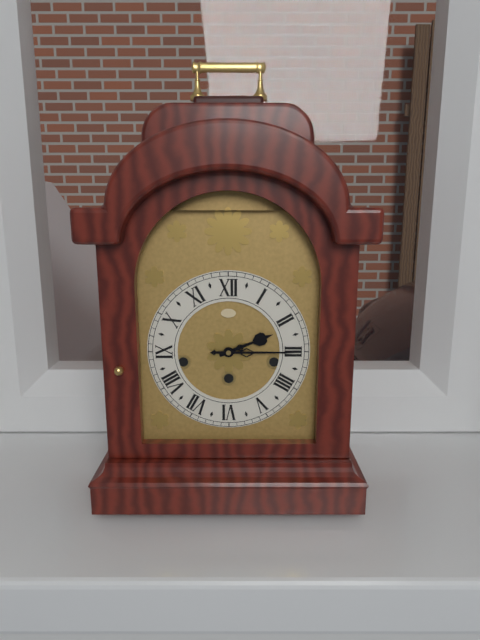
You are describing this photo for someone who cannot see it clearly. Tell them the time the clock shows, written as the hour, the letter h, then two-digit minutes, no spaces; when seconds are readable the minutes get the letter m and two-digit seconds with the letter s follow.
2h15
